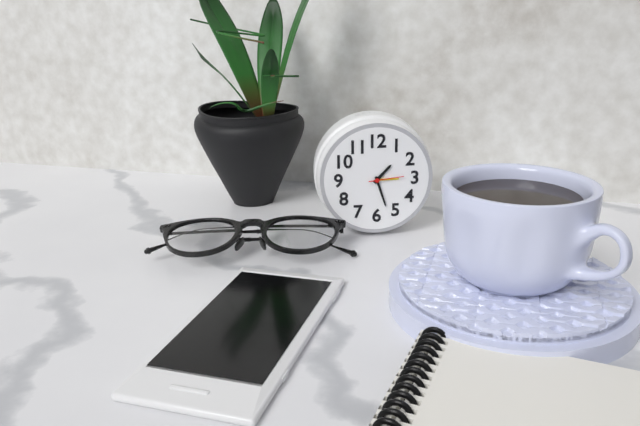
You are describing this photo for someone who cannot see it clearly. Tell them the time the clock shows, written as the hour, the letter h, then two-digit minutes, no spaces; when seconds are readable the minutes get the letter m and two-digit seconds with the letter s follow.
1h27
